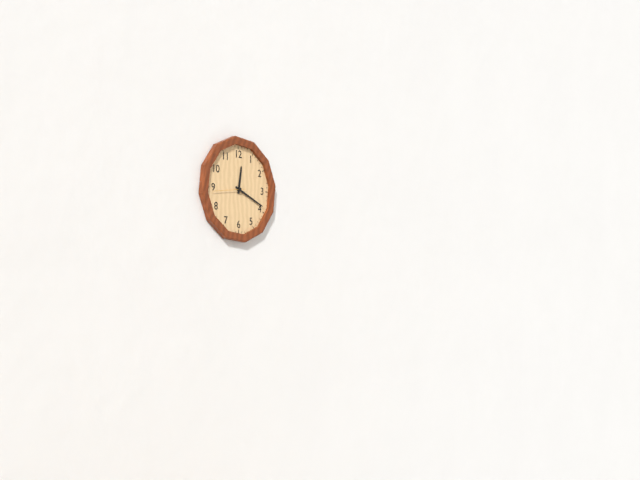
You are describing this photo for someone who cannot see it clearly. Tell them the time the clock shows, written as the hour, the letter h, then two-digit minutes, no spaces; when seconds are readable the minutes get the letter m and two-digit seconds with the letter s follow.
12h19
